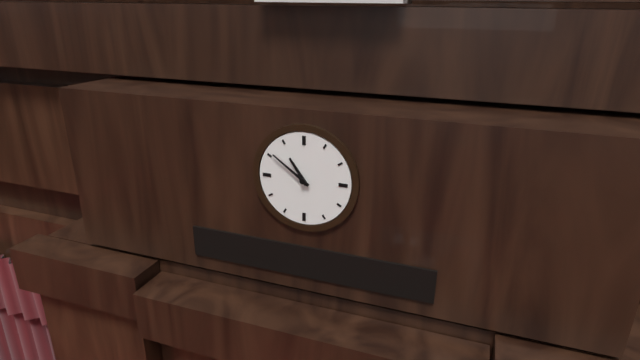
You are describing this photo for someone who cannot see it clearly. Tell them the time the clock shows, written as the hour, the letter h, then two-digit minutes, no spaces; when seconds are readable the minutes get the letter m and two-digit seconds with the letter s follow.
10h51
